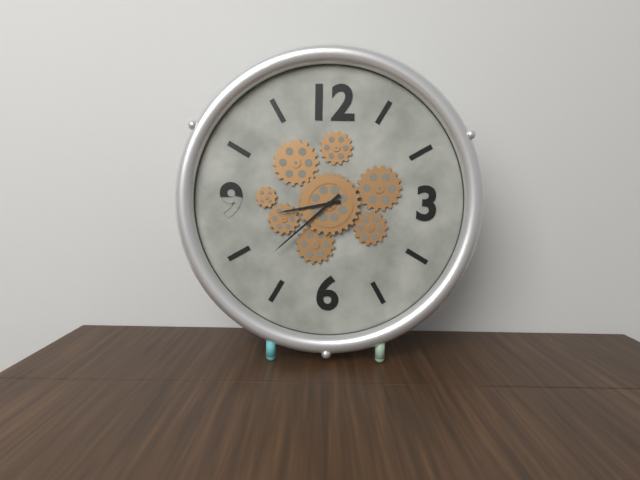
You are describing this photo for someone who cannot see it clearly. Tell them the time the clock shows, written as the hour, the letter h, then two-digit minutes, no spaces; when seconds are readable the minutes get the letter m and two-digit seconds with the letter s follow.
8h38
